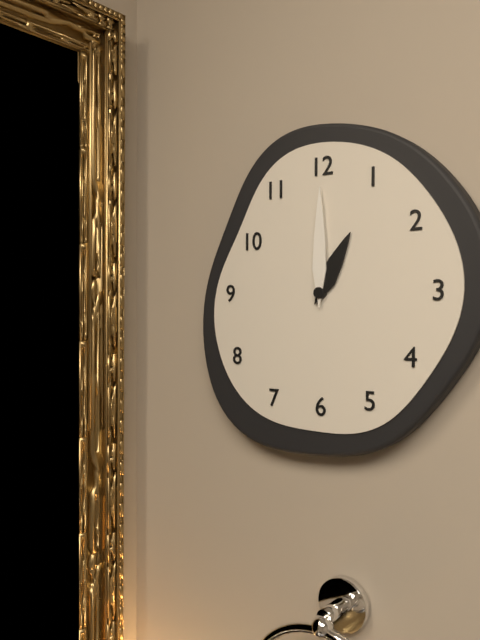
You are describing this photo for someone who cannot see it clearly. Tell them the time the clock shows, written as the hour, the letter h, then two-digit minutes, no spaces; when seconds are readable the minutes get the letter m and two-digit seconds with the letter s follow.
1h00
